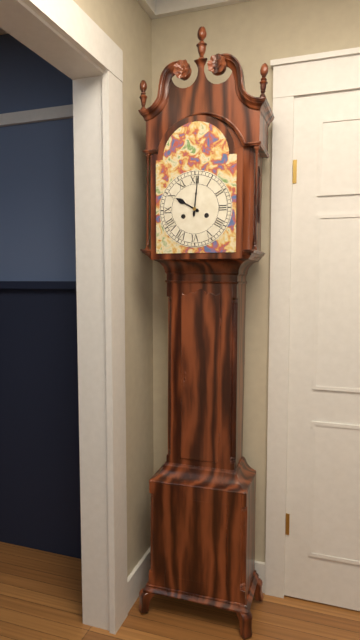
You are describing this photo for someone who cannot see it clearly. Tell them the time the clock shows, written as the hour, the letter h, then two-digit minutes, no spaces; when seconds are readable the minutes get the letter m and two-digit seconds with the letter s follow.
10h01
